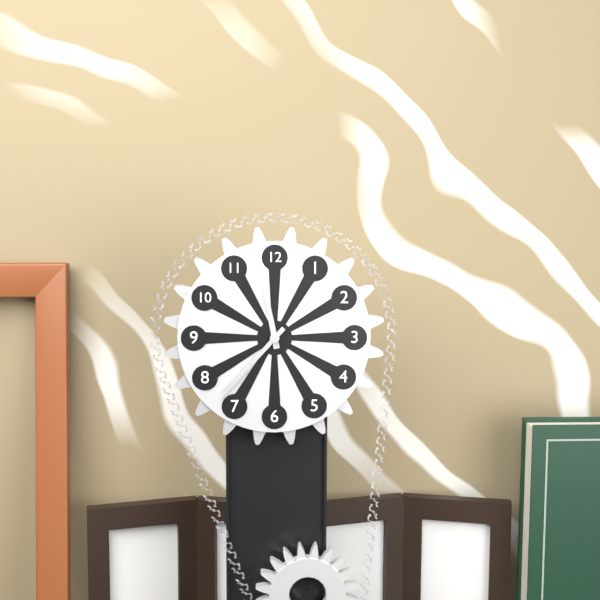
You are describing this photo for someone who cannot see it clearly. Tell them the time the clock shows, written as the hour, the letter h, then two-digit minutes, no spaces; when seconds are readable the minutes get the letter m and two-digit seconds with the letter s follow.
11h37
